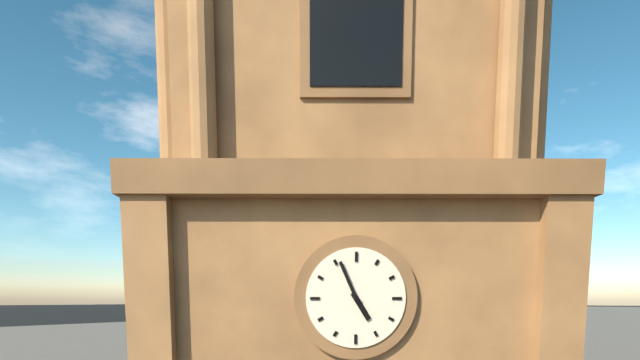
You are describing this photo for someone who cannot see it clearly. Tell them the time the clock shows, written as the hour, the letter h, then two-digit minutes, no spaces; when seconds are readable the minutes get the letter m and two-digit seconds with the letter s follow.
4h56
